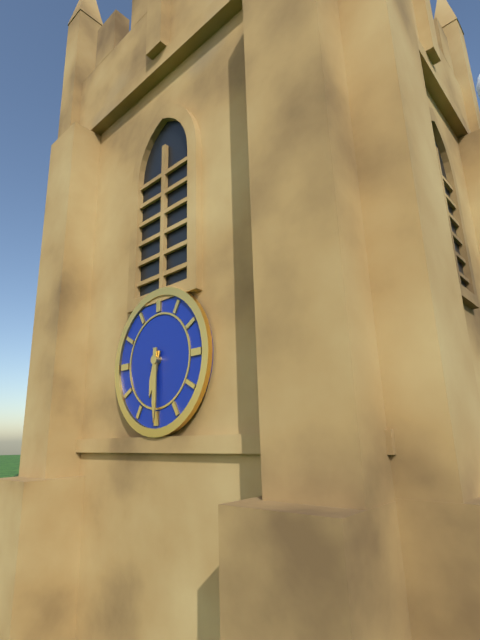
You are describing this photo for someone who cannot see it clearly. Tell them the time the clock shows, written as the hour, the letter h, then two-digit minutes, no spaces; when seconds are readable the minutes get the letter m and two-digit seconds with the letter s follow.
6h30
